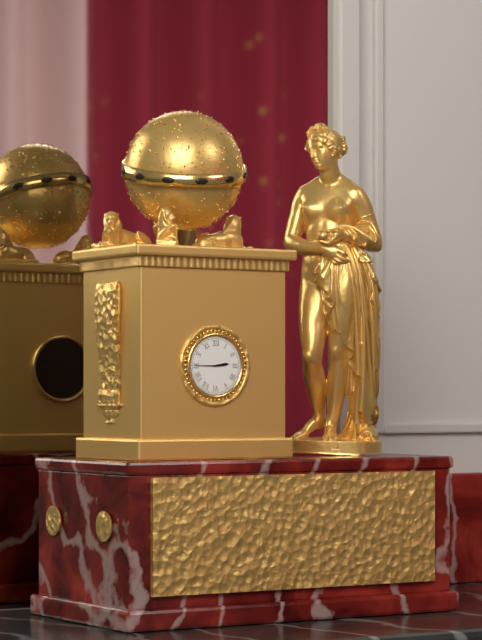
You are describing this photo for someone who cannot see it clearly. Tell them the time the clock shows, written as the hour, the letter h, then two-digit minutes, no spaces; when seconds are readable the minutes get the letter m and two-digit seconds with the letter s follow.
2h45
